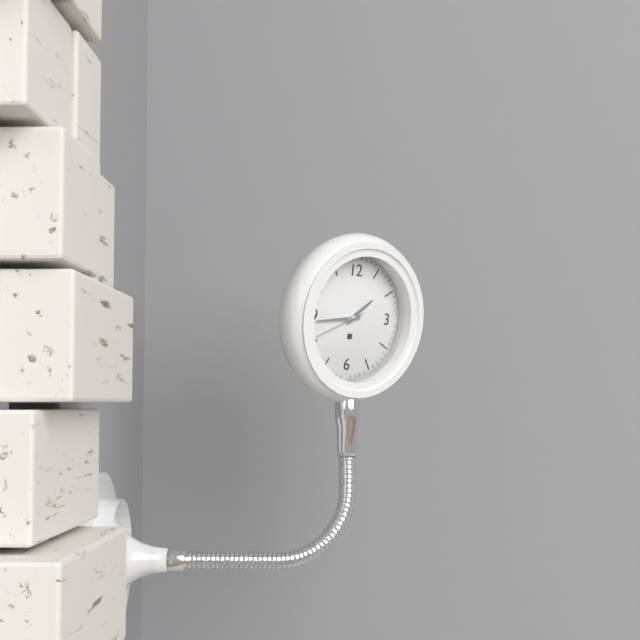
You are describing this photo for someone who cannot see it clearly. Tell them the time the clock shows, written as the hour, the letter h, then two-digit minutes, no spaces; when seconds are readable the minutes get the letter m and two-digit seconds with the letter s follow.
1h44
